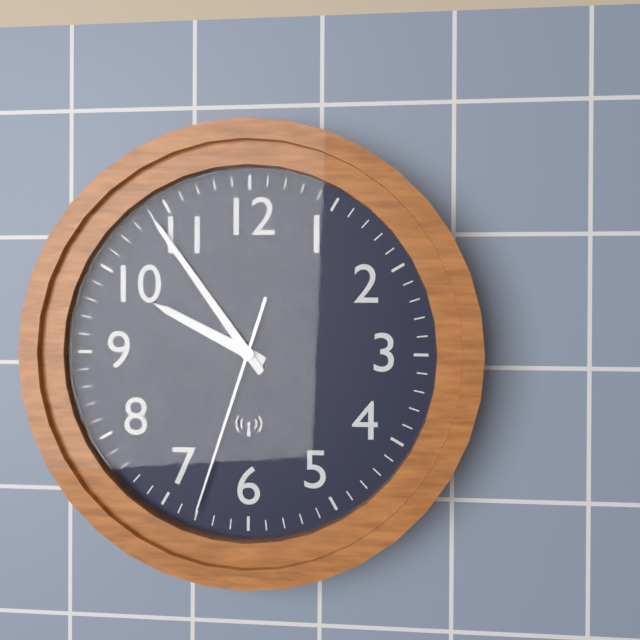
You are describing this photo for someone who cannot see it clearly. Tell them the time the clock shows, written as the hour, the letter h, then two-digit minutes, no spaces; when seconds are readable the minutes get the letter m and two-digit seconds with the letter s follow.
9h54m33s
